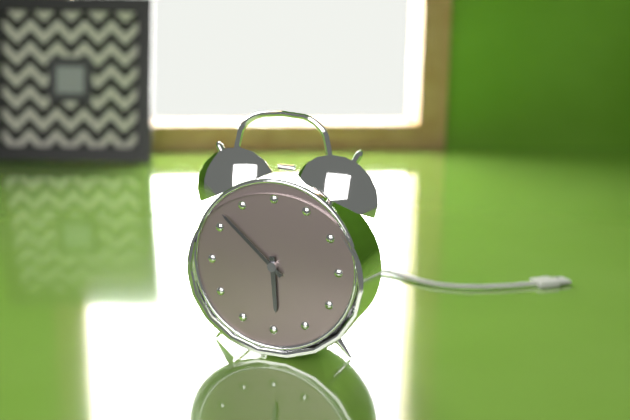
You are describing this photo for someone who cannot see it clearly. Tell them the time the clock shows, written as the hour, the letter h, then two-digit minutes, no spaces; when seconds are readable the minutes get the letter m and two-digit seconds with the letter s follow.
5h52
